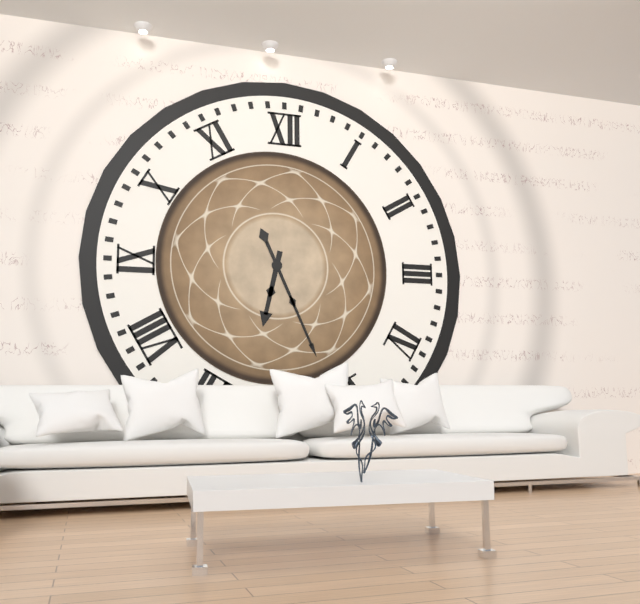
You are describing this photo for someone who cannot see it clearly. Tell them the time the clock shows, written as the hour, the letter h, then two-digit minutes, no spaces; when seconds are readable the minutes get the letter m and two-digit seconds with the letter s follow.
6h26
